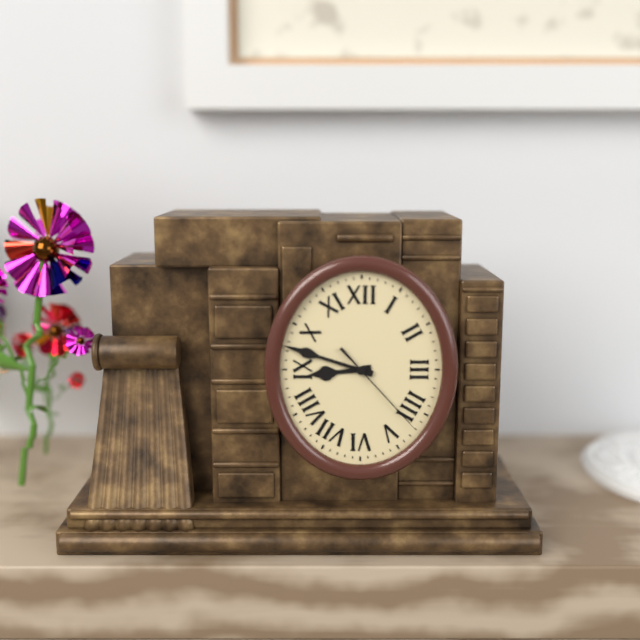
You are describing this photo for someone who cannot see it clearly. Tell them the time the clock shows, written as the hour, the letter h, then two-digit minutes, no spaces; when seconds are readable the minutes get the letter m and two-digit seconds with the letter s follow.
8h48m23s
